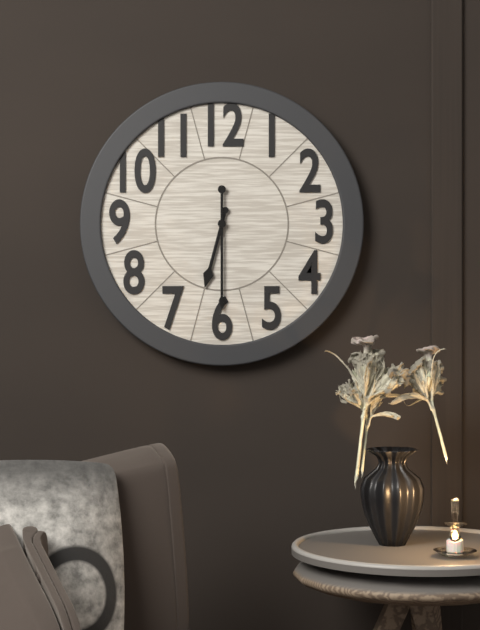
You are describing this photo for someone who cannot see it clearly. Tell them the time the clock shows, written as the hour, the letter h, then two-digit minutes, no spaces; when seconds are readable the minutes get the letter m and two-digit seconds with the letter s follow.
6h30
